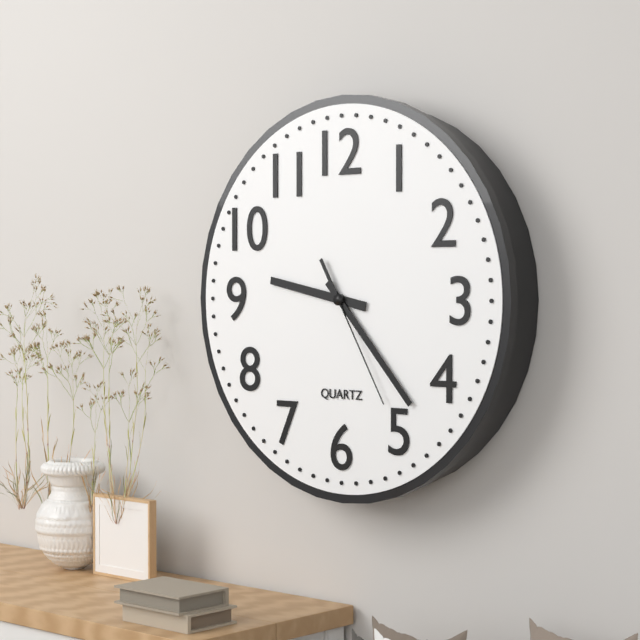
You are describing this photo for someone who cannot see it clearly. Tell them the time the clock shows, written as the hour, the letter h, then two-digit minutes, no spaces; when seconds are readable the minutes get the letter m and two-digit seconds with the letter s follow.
9h23m25s
